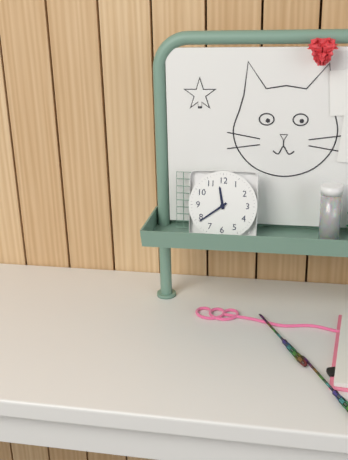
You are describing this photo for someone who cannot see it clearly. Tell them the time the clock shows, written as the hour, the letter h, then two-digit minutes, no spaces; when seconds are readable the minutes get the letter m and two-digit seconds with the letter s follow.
11h39
